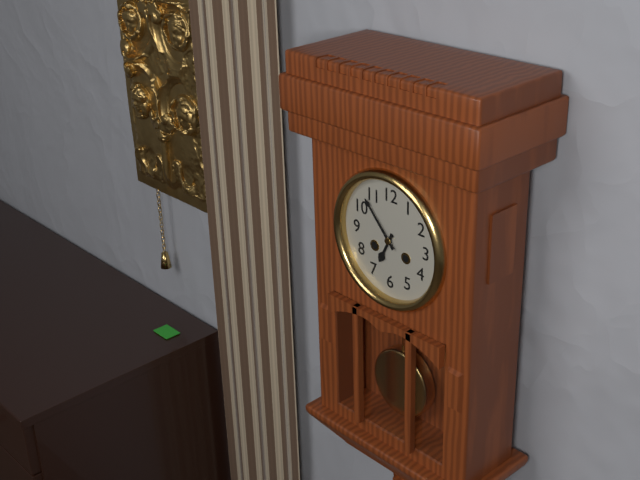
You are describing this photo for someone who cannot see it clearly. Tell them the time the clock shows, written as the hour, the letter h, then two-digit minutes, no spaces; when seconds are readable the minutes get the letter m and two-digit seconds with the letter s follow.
6h53
